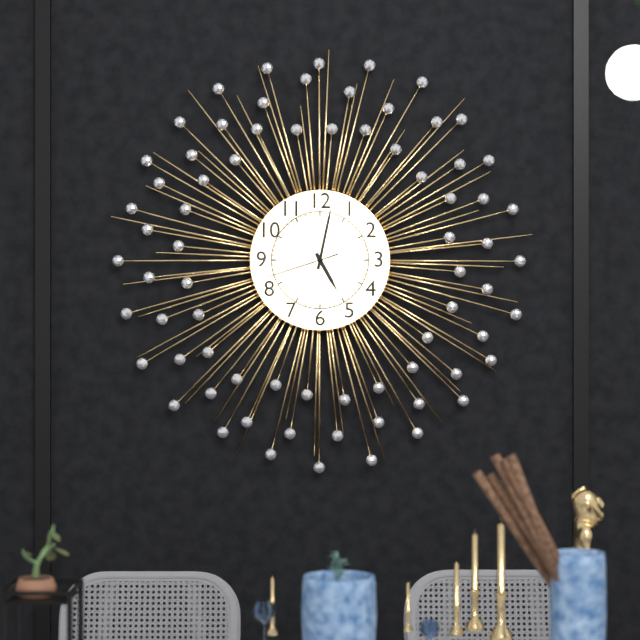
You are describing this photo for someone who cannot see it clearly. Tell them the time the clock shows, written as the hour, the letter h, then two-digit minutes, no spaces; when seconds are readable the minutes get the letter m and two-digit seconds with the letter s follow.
5h02m42s
